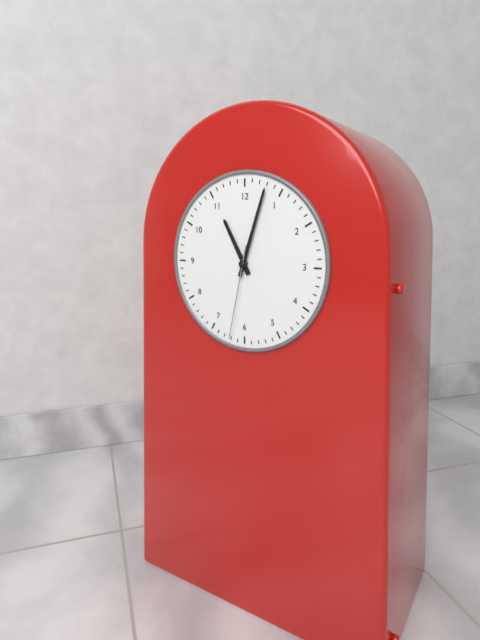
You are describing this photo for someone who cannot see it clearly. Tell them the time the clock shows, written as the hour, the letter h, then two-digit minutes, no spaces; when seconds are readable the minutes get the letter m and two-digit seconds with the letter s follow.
11h03m32s
